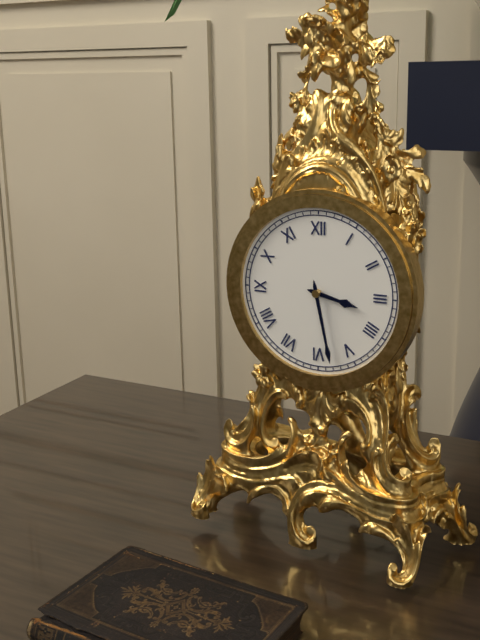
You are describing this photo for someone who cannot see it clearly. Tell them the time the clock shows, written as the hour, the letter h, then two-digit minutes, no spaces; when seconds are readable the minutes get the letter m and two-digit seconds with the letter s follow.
3h28
